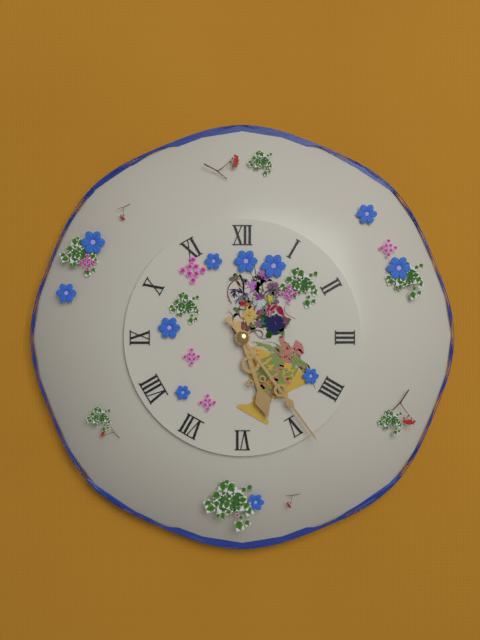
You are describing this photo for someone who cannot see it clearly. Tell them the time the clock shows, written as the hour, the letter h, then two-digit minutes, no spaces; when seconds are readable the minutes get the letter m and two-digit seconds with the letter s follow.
5h24
